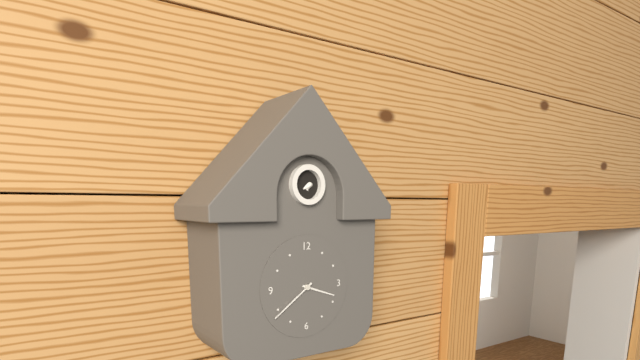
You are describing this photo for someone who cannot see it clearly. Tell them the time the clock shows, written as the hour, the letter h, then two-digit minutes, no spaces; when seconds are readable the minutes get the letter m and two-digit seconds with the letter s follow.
3h39
